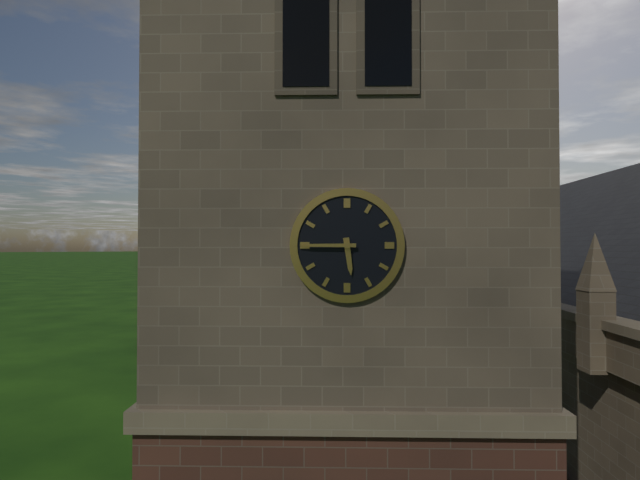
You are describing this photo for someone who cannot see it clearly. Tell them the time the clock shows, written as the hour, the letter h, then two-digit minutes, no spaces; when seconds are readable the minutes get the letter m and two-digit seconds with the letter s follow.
5h45
